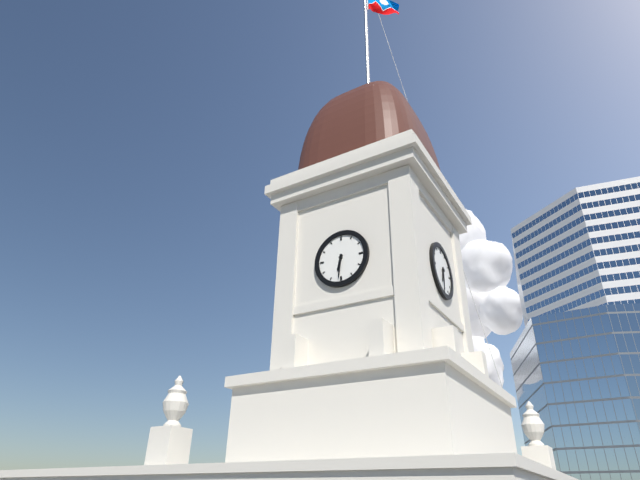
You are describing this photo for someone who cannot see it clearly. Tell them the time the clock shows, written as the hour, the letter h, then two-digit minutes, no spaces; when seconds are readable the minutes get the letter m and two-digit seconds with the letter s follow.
6h31
